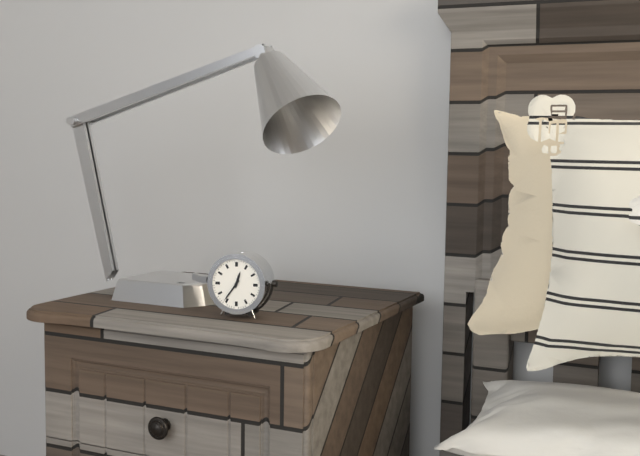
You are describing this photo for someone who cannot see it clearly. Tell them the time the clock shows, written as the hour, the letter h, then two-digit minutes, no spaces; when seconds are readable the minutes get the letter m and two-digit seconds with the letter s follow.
12h36
